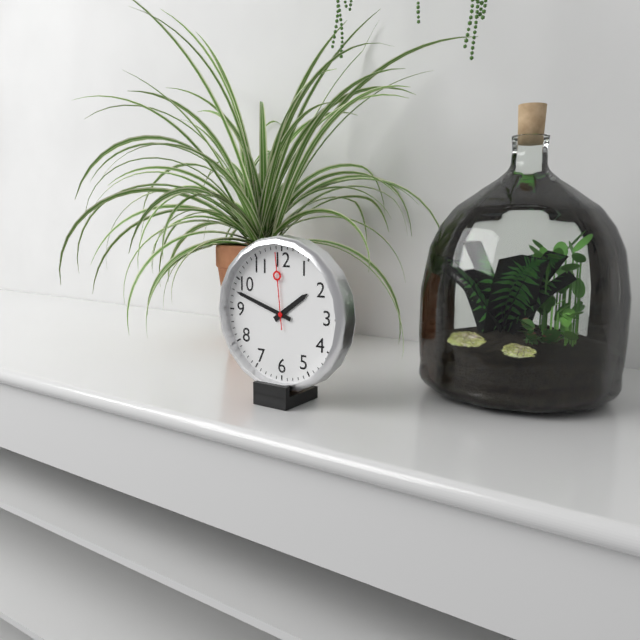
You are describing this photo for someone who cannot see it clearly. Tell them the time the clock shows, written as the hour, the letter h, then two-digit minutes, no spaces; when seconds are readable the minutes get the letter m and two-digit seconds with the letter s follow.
1h48m59s
